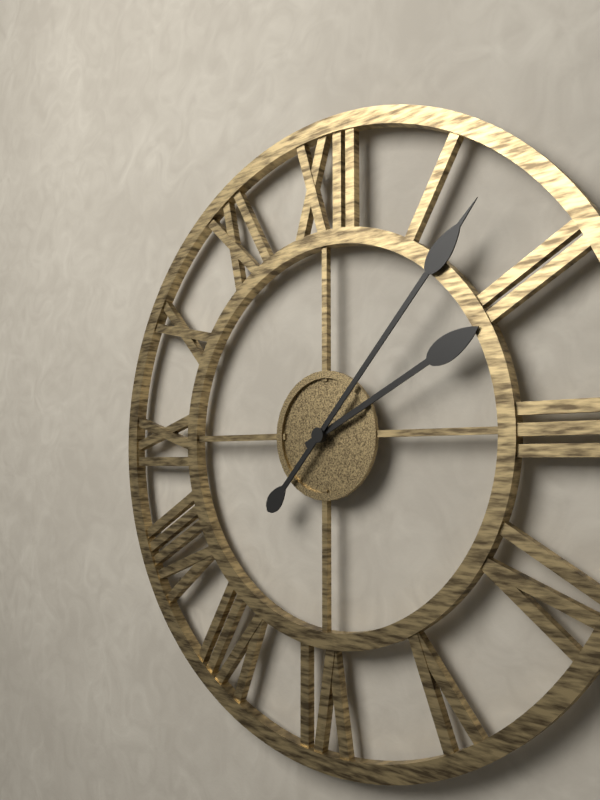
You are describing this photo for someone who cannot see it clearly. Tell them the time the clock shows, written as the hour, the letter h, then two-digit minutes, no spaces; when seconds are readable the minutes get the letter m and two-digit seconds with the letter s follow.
2h07
